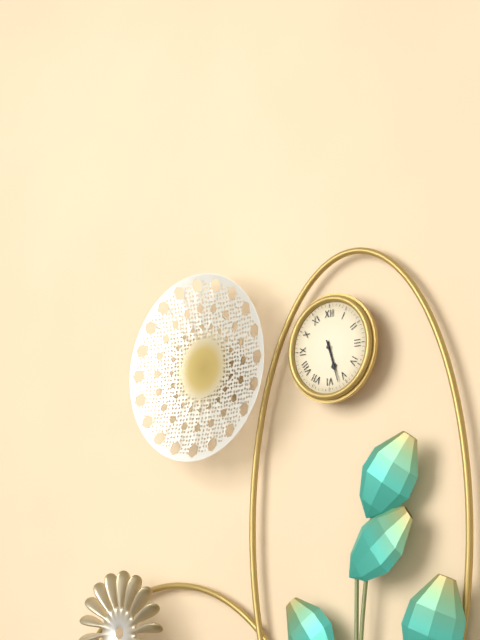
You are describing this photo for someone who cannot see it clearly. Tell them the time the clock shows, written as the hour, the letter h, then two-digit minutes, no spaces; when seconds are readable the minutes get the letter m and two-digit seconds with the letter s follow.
5h27
